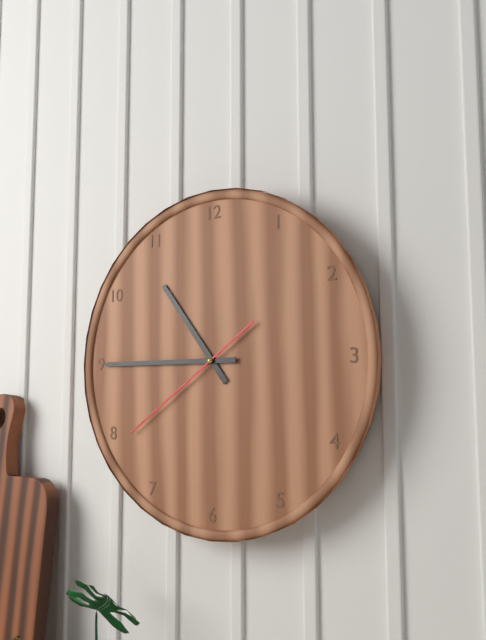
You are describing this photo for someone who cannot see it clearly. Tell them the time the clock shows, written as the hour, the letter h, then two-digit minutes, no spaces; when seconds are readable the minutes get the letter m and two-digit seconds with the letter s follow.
10h45m39s
